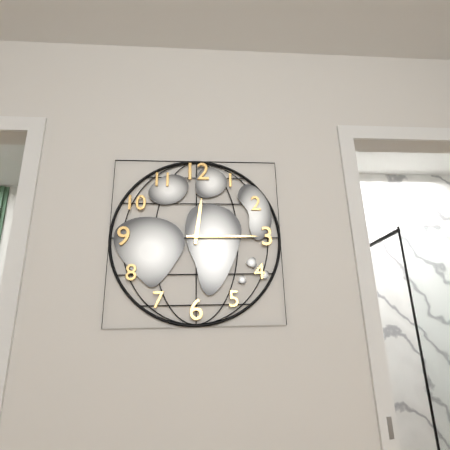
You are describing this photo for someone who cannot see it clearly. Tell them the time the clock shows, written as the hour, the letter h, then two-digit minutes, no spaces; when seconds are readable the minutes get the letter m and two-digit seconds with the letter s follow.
12h15
